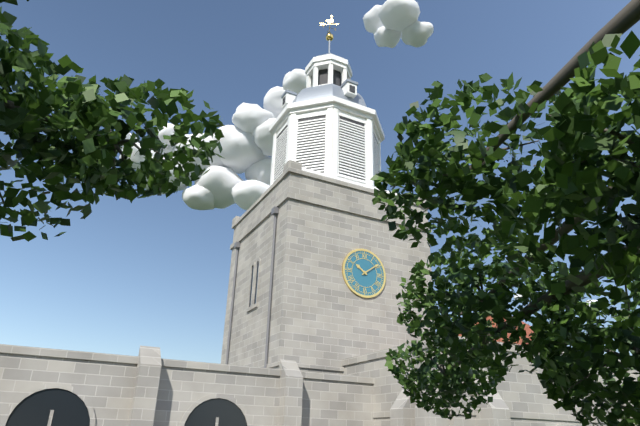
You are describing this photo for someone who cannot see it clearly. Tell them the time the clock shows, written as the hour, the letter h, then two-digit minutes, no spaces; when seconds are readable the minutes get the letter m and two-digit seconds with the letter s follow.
10h09
